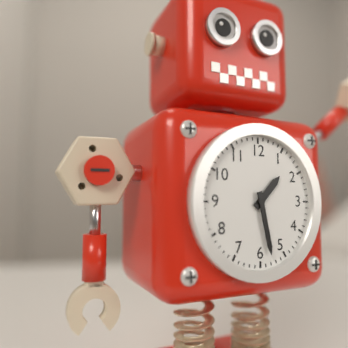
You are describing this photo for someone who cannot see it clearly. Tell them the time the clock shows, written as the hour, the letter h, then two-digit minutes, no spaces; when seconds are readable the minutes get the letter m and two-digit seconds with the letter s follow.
1h28
